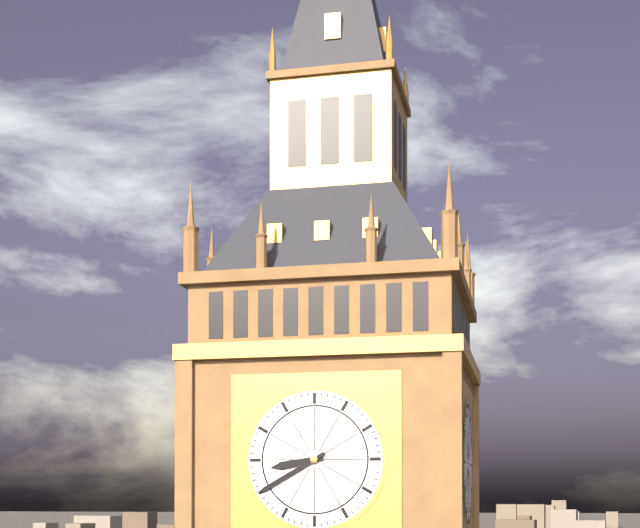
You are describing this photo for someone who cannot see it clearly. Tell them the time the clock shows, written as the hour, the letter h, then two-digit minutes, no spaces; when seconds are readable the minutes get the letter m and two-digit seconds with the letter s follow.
8h40
